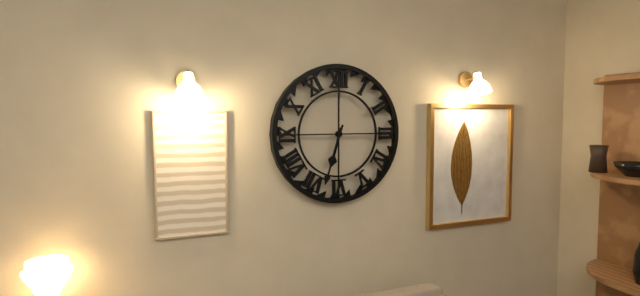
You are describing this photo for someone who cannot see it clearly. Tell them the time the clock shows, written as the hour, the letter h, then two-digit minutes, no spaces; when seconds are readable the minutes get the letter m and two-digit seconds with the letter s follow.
6h33
